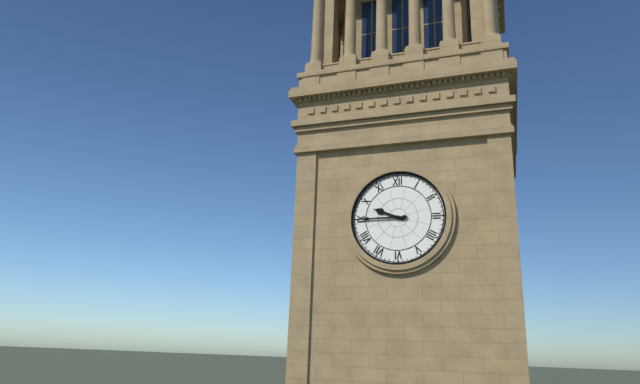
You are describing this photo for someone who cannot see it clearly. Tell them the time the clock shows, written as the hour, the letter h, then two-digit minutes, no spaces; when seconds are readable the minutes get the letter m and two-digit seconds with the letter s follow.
9h45
